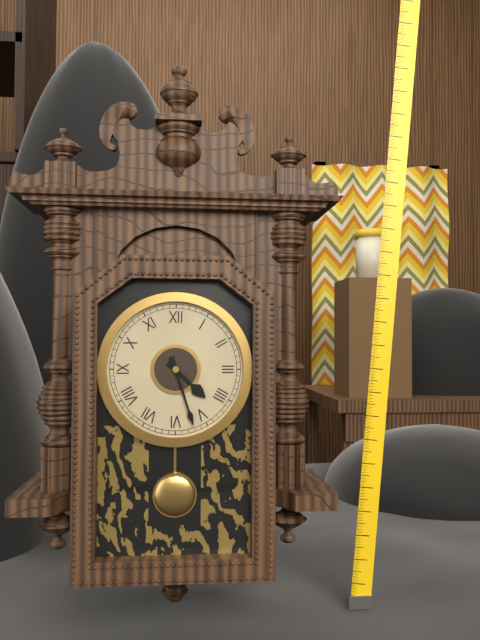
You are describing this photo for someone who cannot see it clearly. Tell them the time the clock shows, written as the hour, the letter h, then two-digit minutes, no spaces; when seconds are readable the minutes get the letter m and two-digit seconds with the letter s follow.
4h27
